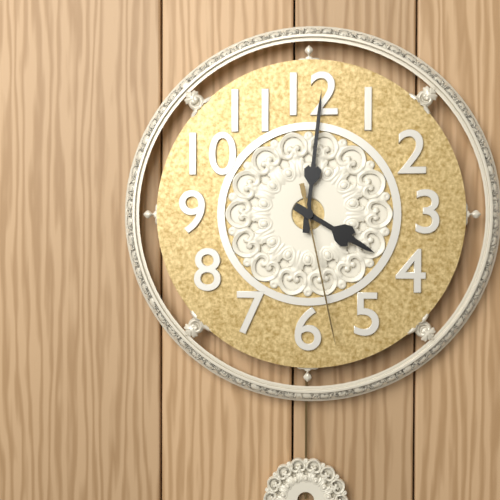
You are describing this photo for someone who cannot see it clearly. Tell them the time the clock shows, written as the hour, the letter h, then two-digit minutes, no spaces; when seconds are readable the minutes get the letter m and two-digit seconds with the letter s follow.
4h01m28s
